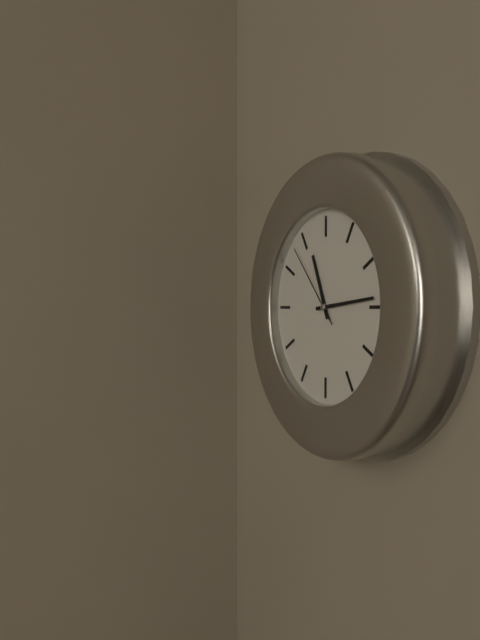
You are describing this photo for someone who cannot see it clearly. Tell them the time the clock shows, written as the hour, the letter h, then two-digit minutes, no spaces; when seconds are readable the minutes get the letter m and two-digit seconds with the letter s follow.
11h14m53s
